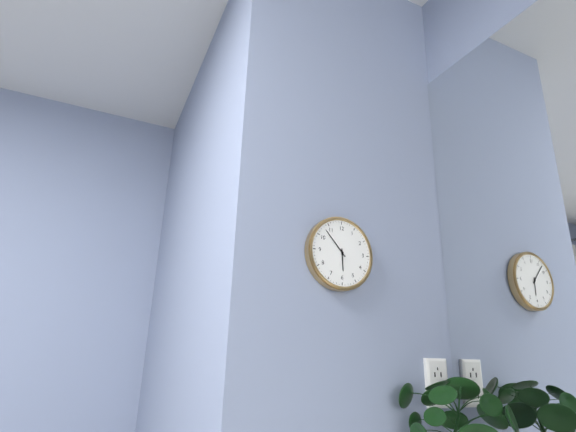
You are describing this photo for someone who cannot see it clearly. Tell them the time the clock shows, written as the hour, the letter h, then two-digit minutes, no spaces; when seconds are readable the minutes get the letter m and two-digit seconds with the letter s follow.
5h53
